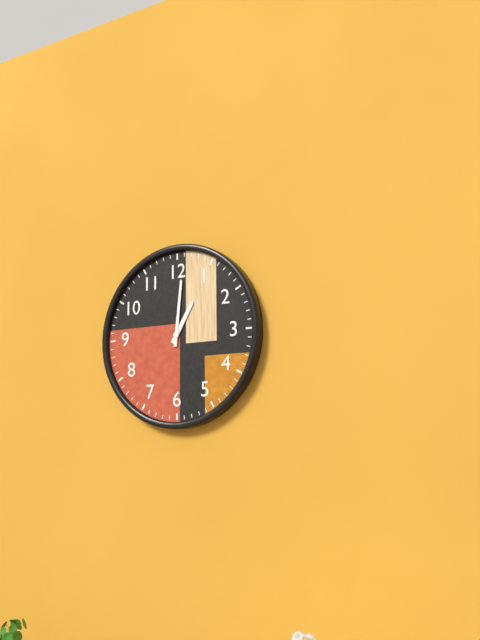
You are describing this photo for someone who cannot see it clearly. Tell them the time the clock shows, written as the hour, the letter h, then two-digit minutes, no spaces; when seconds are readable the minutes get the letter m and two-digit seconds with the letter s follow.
1h01
